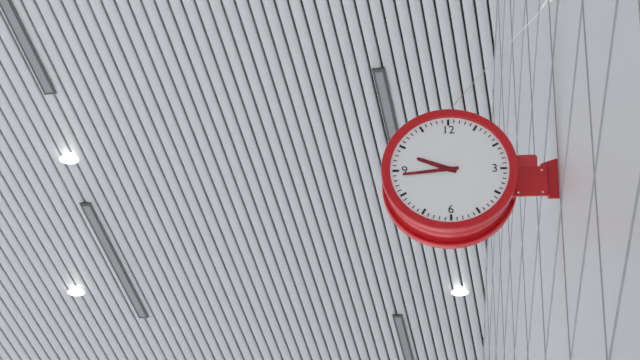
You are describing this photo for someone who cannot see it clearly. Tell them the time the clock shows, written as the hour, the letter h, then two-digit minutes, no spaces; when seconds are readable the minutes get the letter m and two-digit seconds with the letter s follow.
9h44
